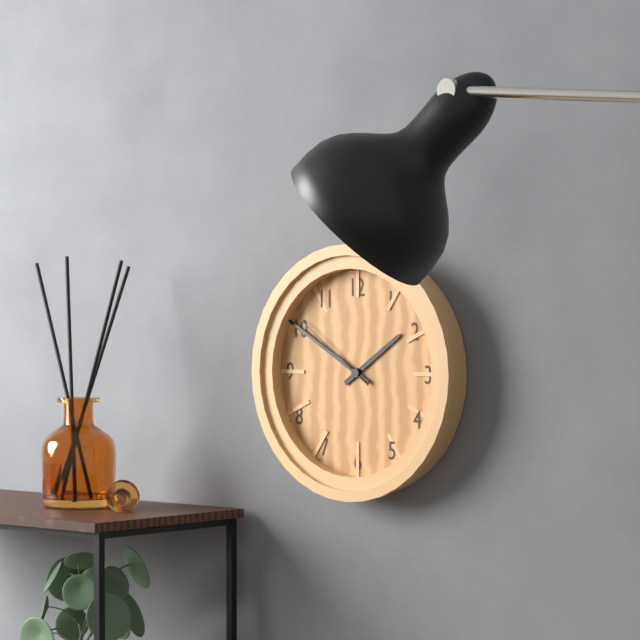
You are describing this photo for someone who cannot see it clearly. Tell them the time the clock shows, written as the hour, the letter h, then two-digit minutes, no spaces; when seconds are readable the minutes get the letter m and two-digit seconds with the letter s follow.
1h50m51s
